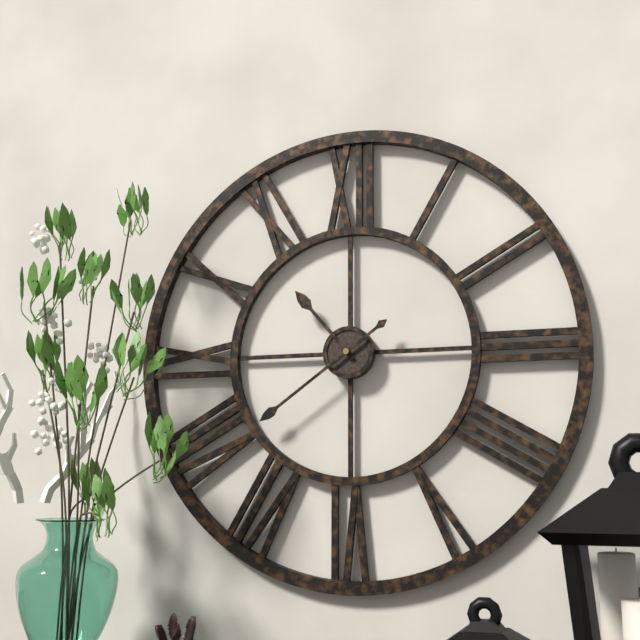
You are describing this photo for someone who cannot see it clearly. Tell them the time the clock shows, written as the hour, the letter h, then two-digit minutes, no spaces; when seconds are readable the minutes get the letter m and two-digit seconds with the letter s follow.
10h39
